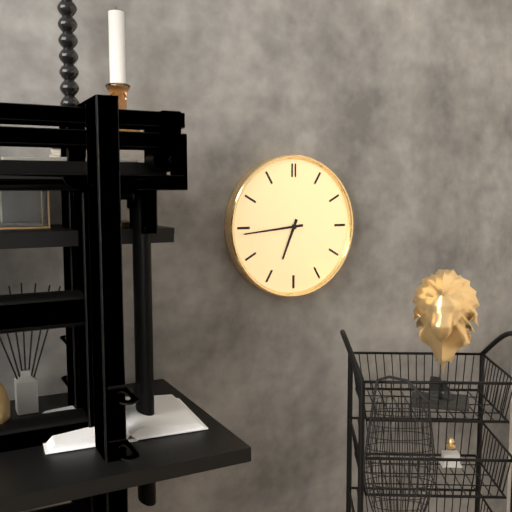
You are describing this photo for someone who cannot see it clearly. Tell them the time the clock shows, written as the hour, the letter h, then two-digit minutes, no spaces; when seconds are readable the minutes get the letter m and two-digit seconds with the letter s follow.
6h44
